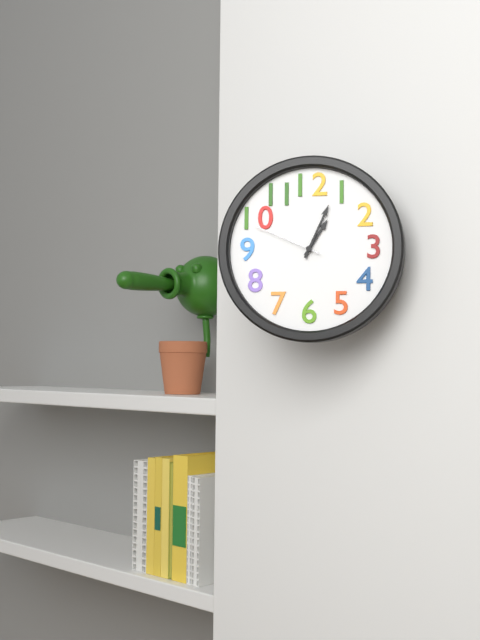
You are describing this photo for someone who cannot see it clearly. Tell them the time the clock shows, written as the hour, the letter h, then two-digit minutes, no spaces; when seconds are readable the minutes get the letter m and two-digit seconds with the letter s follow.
1h04m49s
